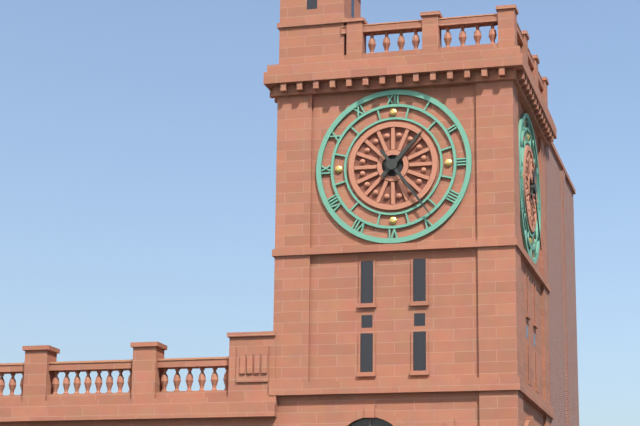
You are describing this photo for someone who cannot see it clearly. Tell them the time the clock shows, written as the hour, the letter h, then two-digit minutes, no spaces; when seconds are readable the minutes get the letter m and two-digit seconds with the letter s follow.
1h24
